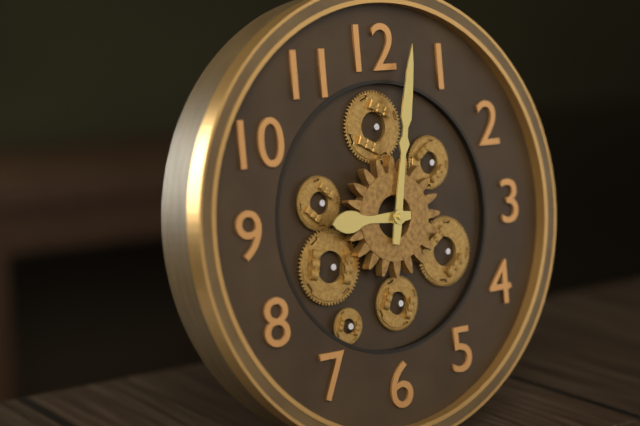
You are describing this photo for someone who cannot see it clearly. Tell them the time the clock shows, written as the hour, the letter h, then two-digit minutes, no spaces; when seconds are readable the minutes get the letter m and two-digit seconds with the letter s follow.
9h02
